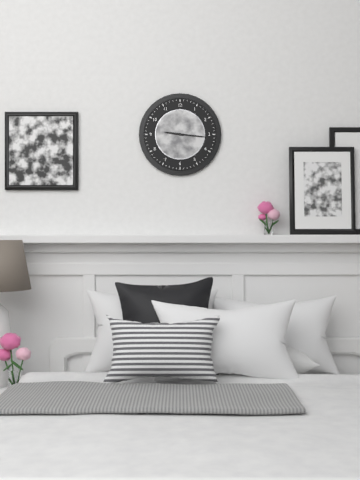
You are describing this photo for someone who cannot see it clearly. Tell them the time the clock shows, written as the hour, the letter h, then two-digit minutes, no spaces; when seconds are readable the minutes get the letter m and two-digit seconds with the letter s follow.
9h16
